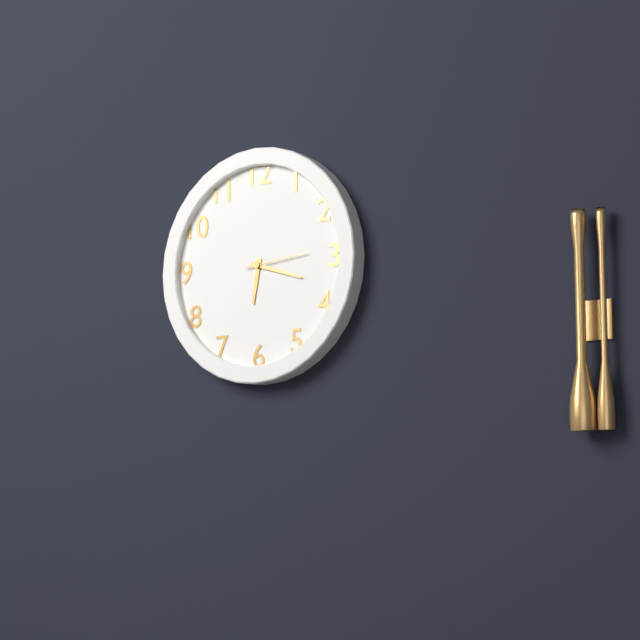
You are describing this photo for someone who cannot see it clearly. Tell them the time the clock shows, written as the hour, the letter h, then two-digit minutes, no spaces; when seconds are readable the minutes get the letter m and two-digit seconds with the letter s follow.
6h18m14s
